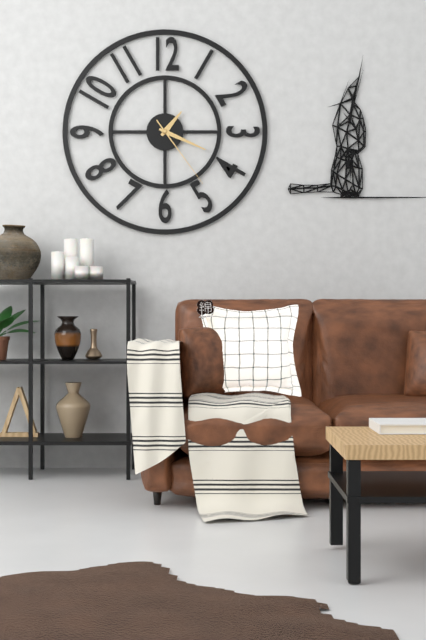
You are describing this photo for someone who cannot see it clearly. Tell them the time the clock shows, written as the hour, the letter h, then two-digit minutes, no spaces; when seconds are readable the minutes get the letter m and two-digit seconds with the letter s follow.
1h19m24s
